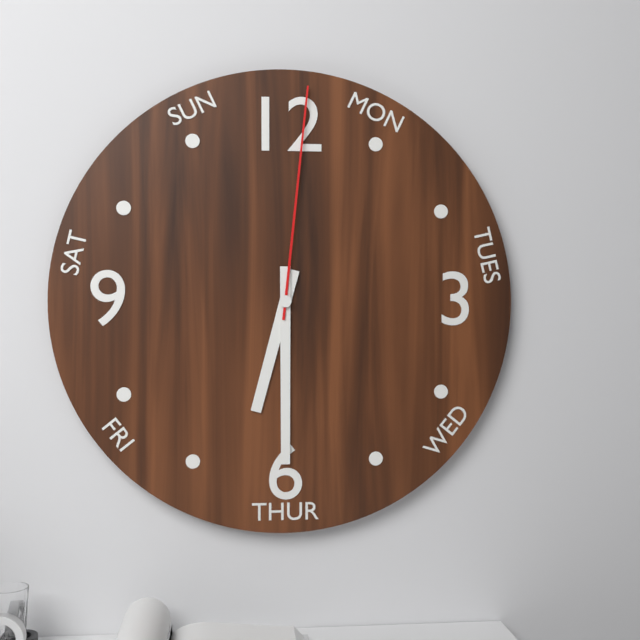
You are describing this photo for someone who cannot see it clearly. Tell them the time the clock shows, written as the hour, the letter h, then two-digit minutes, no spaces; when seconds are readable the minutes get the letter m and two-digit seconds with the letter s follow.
6h30m01s
